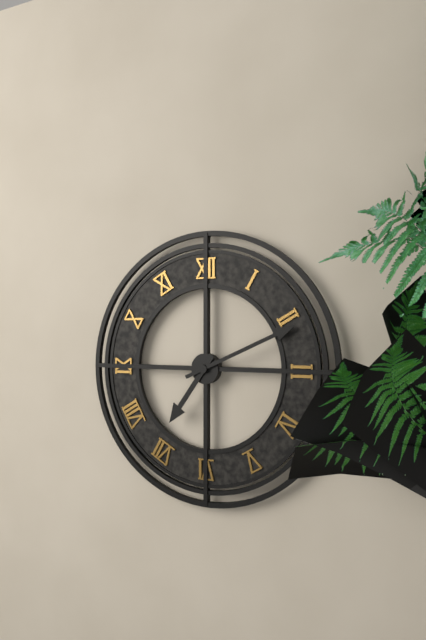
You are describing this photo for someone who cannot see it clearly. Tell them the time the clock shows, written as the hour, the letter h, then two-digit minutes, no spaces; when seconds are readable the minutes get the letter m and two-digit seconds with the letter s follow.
7h11
